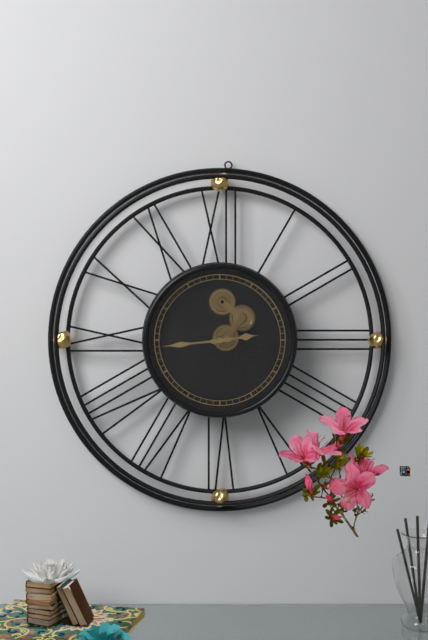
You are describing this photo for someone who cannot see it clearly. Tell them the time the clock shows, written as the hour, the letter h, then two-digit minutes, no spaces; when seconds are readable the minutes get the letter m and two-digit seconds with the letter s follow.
2h44
